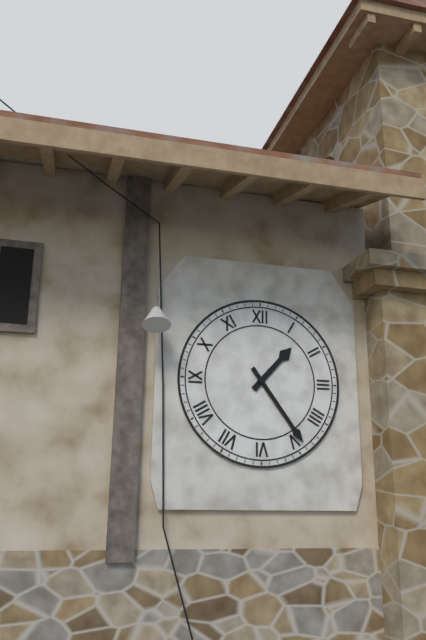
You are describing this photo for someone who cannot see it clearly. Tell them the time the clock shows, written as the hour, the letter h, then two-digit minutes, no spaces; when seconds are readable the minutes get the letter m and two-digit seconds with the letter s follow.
1h24
